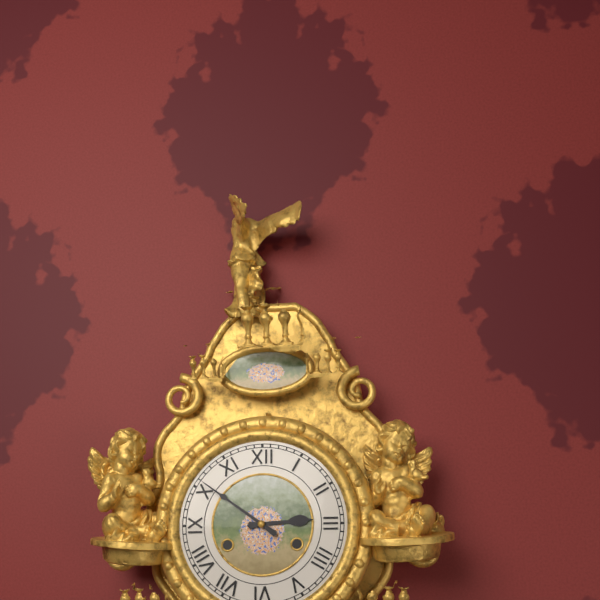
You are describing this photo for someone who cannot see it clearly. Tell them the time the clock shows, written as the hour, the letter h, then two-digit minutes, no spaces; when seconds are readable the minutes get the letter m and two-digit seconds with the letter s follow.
2h51
